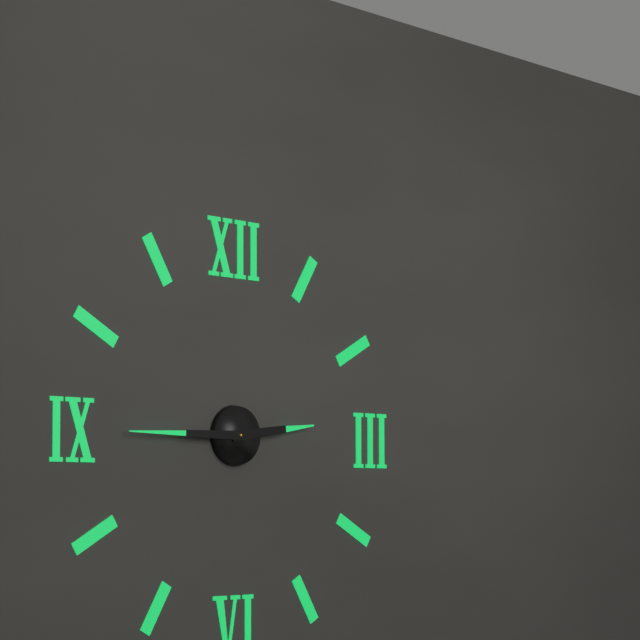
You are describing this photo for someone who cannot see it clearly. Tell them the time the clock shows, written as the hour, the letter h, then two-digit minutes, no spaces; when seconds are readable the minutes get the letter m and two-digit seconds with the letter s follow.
2h45
